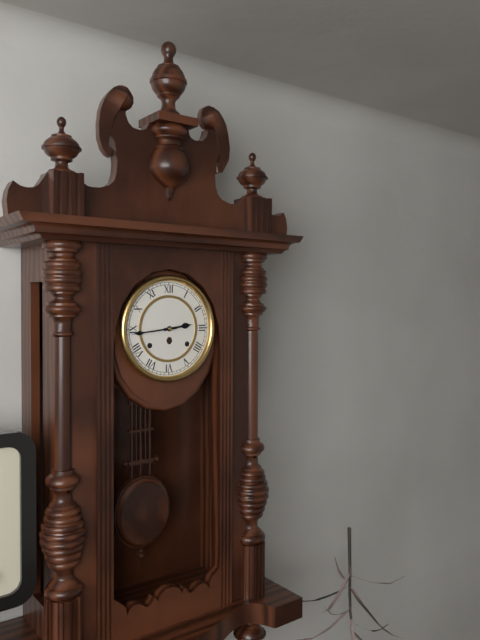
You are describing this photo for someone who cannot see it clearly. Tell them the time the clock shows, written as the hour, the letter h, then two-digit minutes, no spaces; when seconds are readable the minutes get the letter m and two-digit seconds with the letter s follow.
2h44
